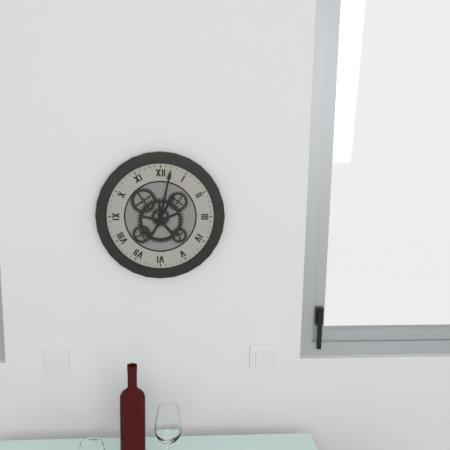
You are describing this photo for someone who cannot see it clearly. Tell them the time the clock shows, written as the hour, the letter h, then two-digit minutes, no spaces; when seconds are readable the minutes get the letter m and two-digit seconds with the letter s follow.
1h02
